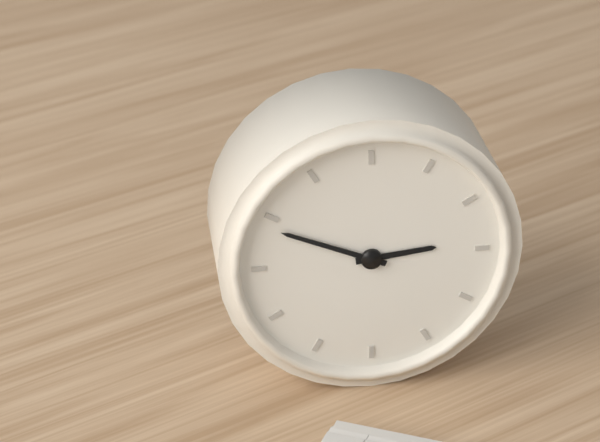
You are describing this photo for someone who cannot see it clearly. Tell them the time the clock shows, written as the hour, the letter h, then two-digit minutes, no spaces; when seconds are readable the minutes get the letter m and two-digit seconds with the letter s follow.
2h49
